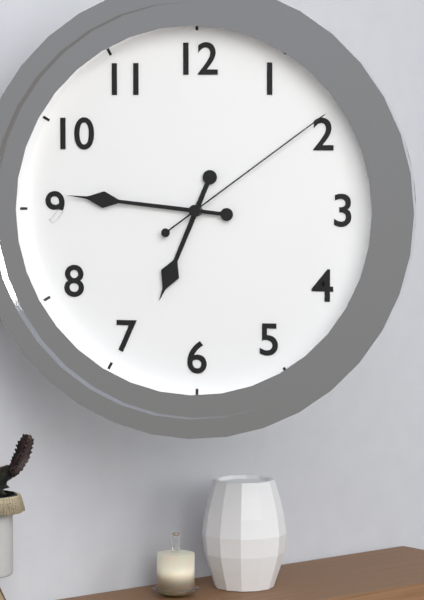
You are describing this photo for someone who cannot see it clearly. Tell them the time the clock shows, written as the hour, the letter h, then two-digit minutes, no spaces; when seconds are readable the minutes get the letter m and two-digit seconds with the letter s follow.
6h46m09s
